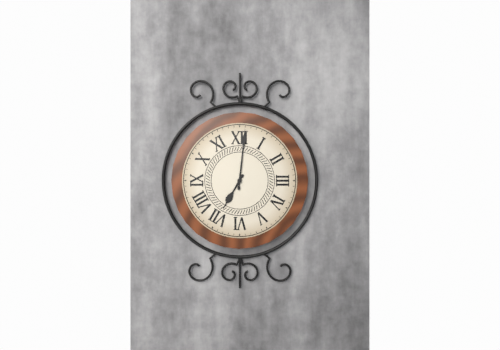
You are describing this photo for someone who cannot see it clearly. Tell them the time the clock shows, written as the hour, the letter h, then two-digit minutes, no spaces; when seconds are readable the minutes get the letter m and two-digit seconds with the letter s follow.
7h01
